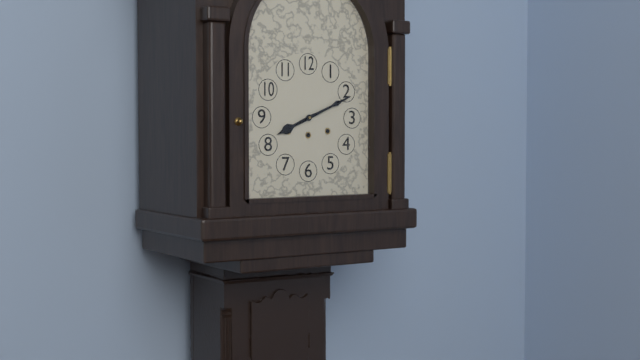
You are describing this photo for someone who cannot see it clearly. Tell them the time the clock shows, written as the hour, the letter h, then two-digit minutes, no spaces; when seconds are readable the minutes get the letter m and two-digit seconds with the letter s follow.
8h11
